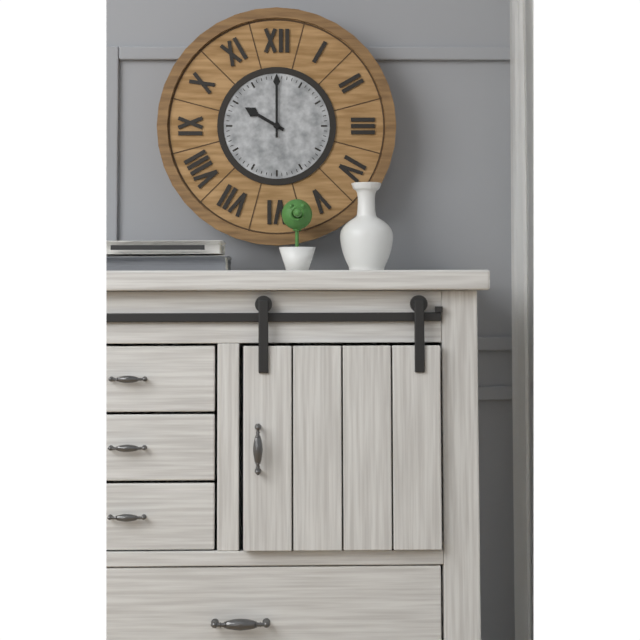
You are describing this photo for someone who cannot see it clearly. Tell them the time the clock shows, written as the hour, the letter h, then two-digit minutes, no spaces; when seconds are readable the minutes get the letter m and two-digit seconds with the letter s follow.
10h00
